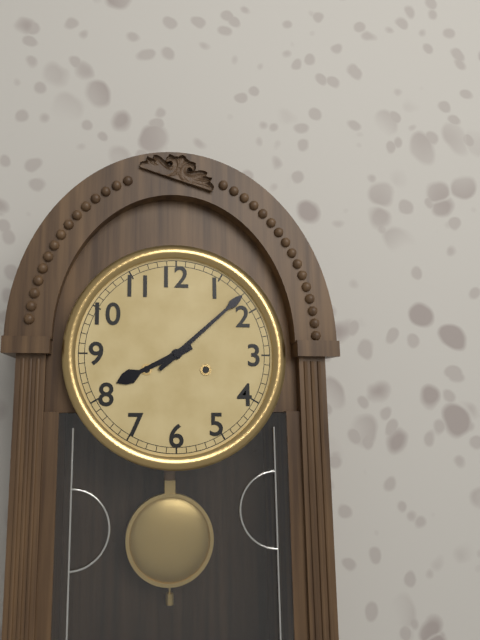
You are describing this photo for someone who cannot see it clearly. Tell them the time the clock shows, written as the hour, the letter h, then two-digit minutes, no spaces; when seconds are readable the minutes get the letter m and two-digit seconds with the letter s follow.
8h08
